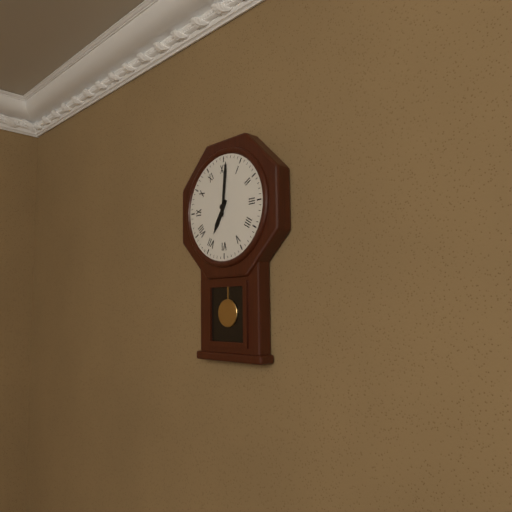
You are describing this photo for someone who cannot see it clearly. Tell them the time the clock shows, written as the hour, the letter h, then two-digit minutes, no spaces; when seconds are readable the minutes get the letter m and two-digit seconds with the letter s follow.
7h01
